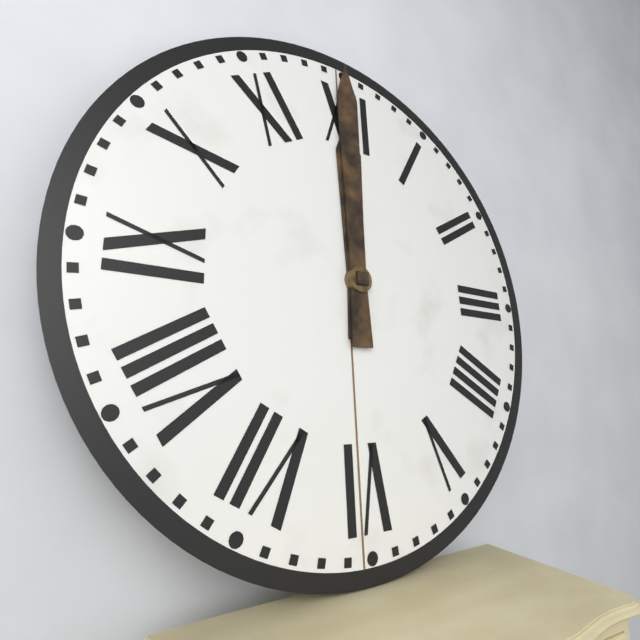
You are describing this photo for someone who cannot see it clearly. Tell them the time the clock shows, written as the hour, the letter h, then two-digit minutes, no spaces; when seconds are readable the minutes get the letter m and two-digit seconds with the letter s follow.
12h00
